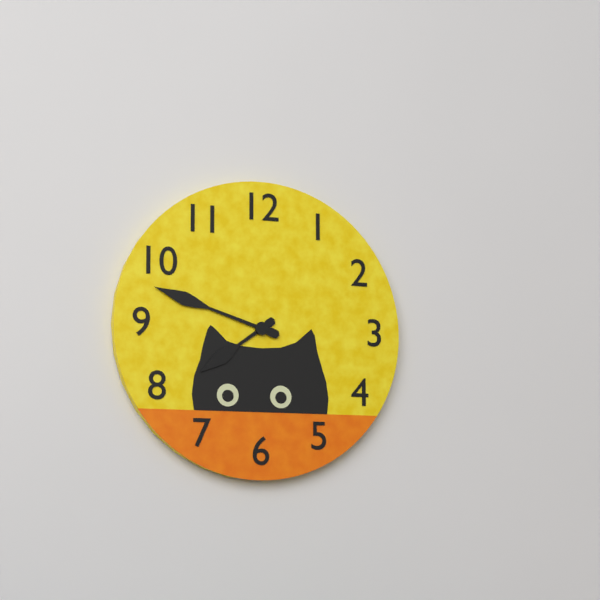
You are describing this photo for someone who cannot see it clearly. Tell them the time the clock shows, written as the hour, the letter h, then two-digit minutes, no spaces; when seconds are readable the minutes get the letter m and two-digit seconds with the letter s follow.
7h48
